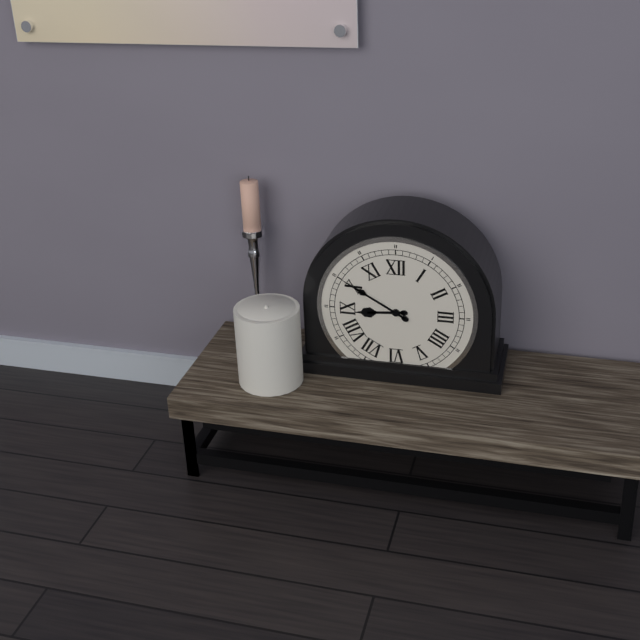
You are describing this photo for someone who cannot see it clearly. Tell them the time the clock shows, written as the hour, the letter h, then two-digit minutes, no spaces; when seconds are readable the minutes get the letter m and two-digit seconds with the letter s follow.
8h50
